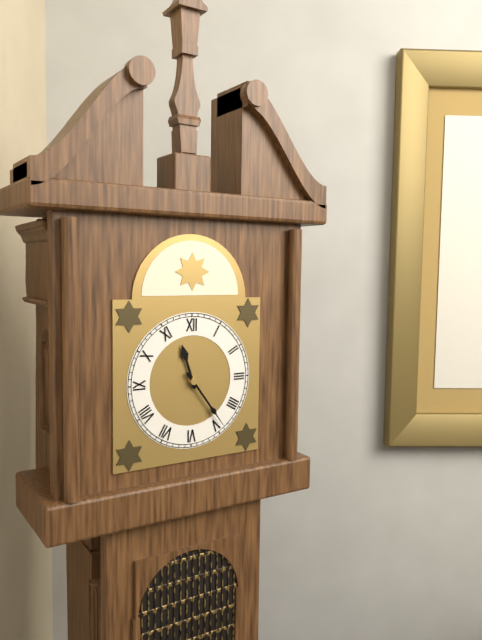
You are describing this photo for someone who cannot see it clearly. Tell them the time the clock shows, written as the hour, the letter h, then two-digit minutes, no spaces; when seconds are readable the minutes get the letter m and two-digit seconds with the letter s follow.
11h24
